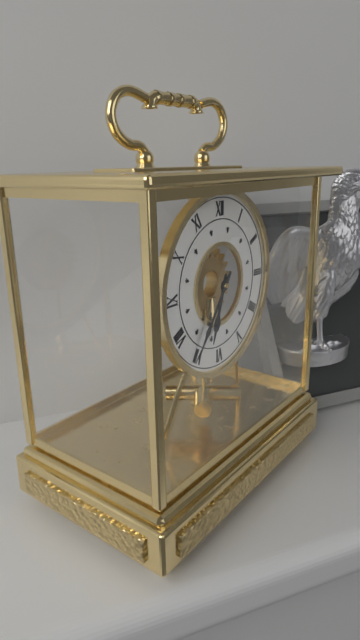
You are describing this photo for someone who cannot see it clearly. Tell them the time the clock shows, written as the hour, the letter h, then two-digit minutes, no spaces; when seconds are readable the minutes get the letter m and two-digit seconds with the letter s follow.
6h36
